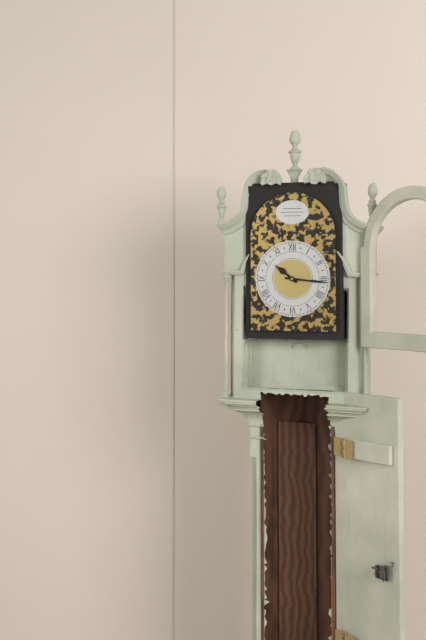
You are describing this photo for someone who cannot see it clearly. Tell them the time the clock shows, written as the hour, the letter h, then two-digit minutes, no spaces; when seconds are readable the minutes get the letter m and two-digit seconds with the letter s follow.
10h16
